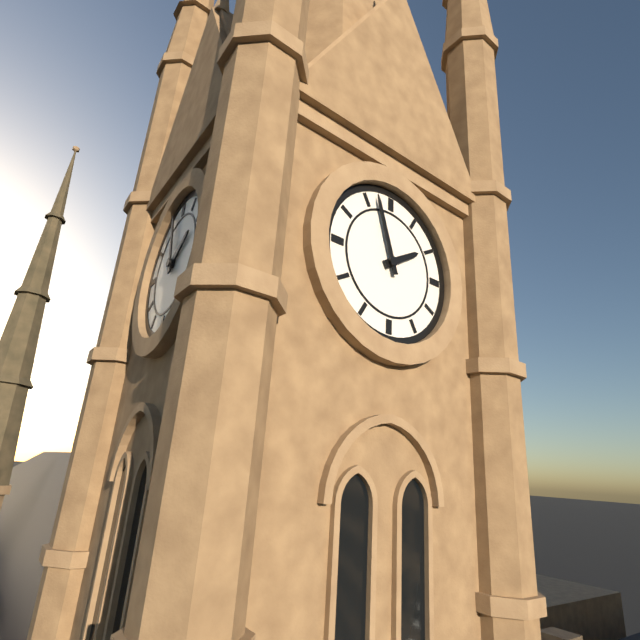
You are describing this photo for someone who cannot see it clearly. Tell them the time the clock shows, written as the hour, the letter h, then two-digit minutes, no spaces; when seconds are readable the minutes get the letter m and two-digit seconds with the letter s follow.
1h57
